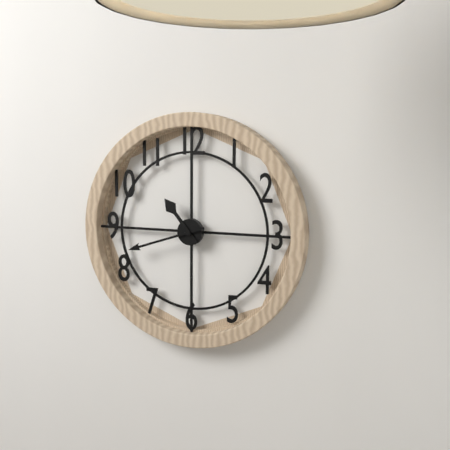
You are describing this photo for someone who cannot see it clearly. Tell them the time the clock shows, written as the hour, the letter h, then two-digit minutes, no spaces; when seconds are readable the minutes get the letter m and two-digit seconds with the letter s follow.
10h42
